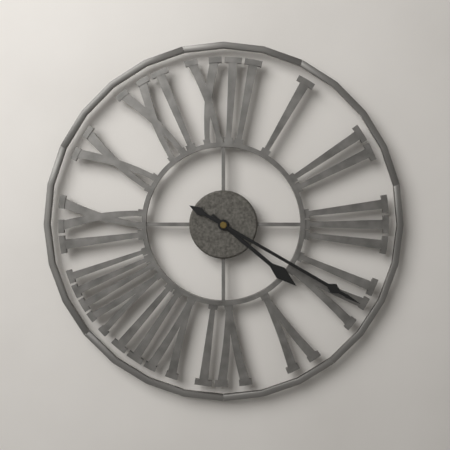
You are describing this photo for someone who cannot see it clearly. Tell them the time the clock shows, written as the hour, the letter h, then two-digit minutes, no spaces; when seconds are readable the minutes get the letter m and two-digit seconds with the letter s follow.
4h20
